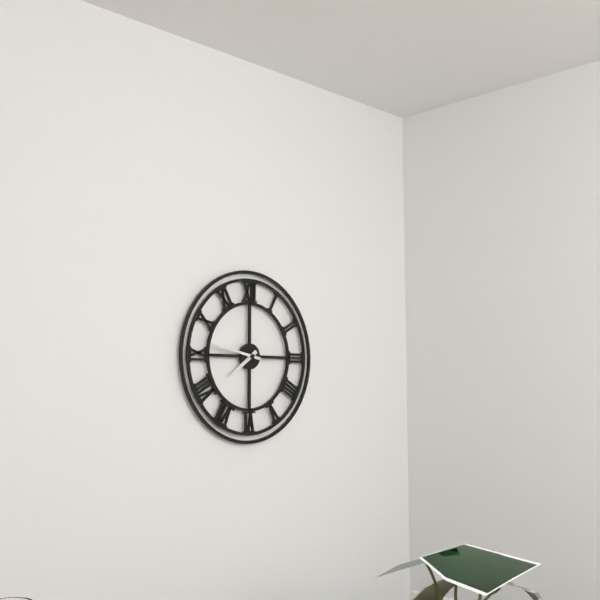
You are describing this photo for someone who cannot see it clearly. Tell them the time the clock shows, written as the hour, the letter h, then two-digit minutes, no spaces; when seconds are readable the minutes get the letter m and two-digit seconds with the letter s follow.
7h47
